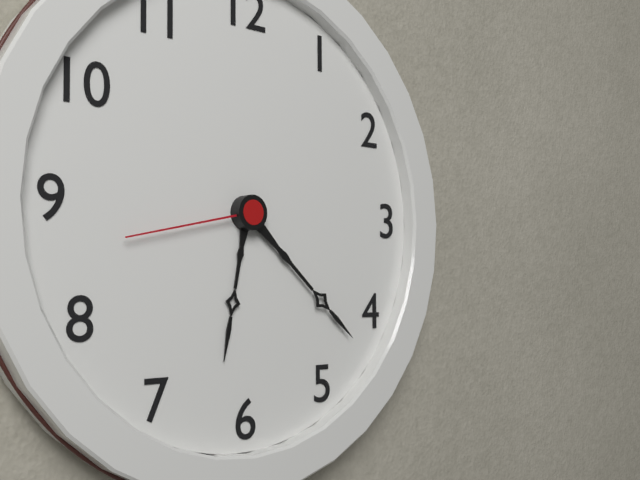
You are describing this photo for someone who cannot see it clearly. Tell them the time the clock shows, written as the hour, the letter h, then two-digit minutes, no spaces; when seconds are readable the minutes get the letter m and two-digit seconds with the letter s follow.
6h22m43s
